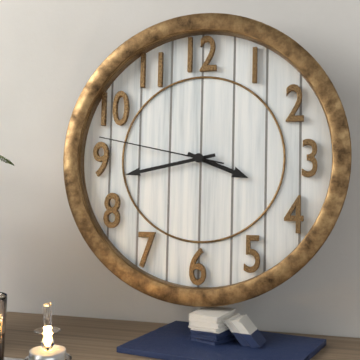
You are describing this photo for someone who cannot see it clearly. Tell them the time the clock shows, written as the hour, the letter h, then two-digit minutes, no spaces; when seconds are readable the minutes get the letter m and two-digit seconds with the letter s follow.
3h43m47s
